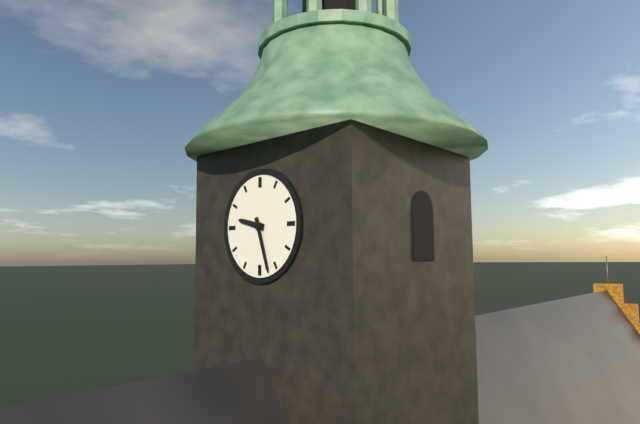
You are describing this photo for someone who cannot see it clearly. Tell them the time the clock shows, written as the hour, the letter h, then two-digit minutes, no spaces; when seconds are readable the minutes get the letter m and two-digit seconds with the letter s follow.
9h27
